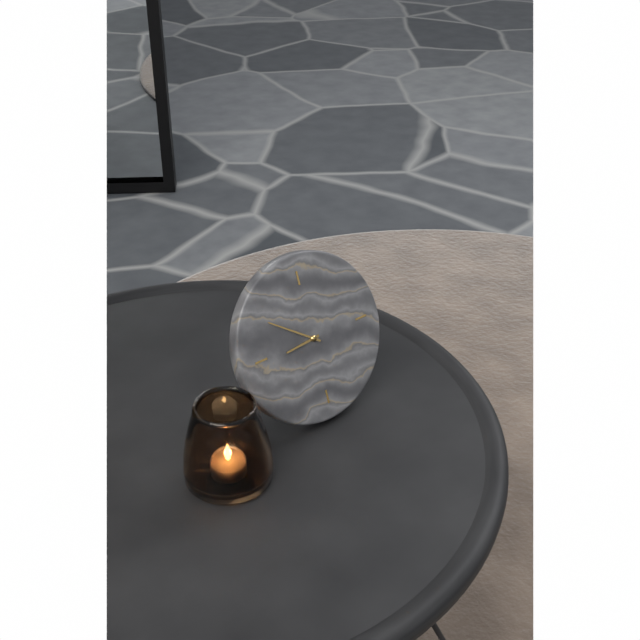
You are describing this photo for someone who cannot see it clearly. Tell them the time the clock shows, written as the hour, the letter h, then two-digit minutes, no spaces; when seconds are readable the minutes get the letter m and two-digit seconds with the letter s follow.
8h51
